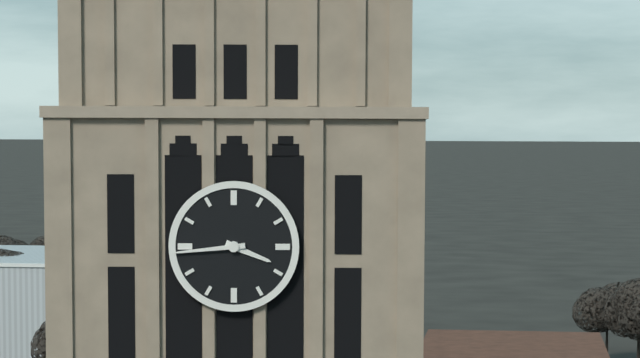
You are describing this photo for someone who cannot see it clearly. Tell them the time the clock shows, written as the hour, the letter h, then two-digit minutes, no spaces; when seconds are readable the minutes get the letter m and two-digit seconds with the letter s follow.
3h44
